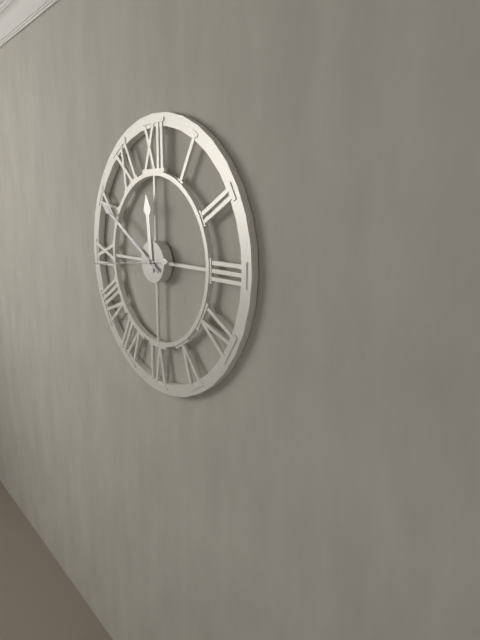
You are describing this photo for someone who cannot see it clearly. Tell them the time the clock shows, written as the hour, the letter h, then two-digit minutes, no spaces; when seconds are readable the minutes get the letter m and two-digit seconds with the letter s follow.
11h50m44s
